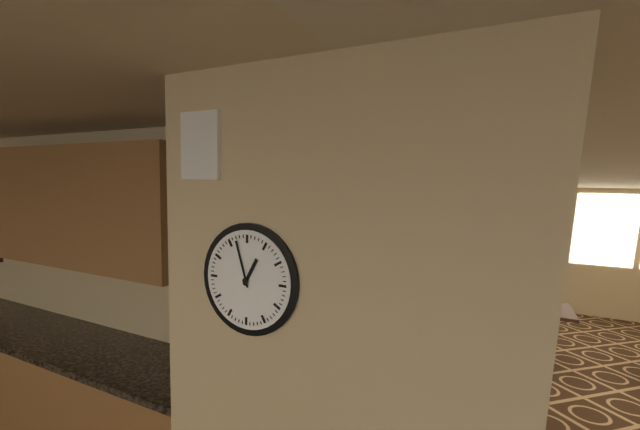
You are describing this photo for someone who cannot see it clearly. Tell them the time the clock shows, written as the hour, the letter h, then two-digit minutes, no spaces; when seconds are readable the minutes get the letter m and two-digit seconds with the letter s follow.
12h57
